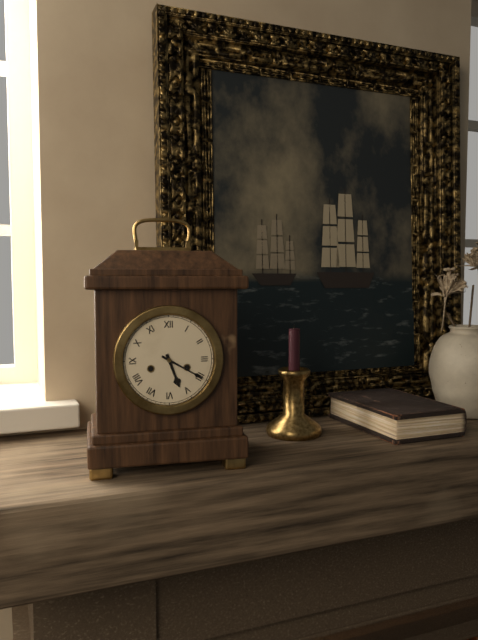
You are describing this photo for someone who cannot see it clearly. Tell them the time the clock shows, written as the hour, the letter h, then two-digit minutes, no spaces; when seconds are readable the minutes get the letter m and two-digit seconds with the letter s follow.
5h20
